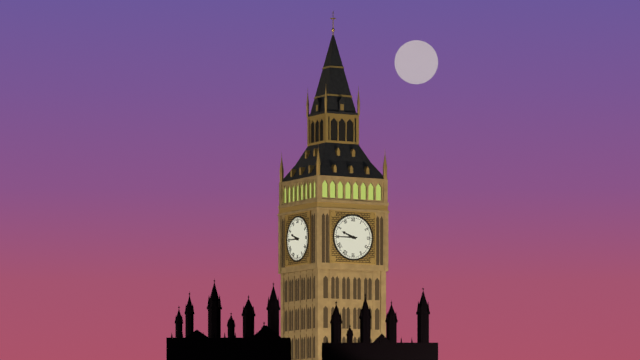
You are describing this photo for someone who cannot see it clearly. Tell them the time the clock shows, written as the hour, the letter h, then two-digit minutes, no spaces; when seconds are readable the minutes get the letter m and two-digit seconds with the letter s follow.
9h45
